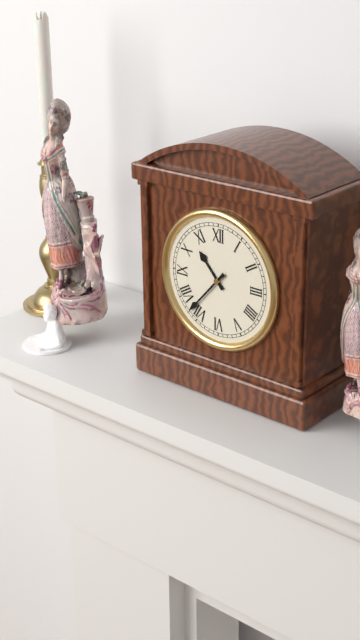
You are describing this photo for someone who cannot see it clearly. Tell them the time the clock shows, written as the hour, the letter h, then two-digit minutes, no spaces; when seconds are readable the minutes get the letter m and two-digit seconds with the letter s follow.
10h37
